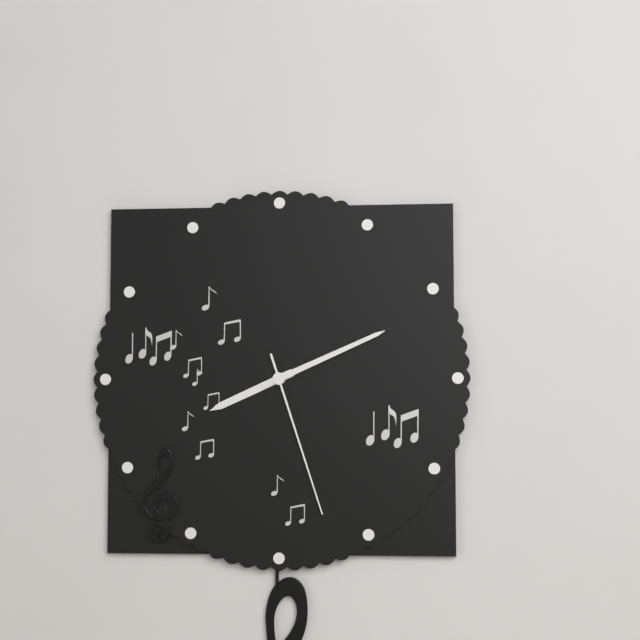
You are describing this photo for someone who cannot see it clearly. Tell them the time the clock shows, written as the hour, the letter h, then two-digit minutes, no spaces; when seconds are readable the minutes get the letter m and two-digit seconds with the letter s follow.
8h11m27s
